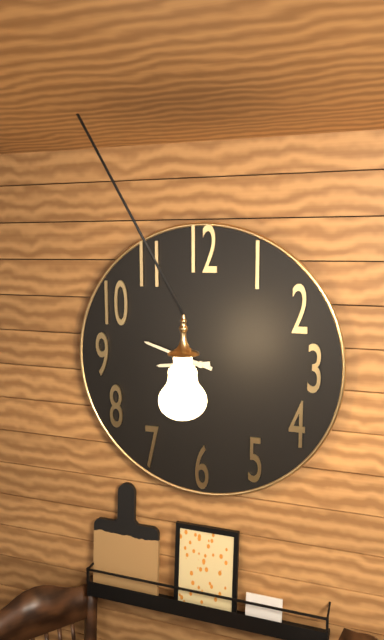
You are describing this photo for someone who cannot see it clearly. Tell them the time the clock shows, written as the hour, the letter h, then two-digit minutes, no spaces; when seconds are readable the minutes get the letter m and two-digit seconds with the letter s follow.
8h48
